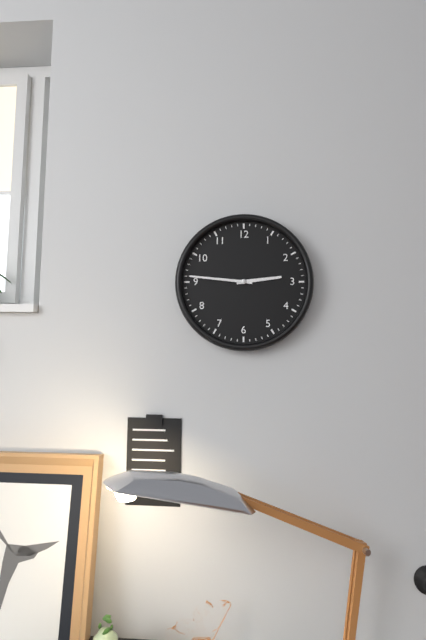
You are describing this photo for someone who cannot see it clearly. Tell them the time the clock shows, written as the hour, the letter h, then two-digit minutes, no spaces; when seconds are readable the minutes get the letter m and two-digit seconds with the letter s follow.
2h46
